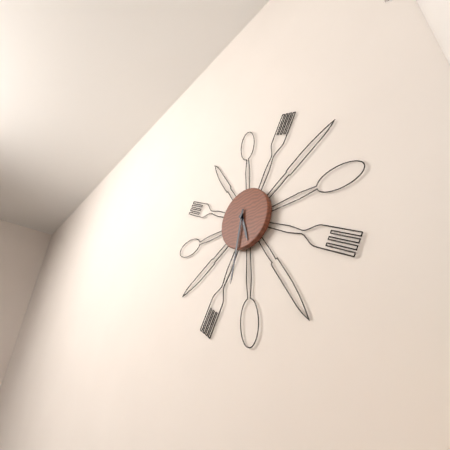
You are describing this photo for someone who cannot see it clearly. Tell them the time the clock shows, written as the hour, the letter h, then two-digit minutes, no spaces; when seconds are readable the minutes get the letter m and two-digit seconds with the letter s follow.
5h32
